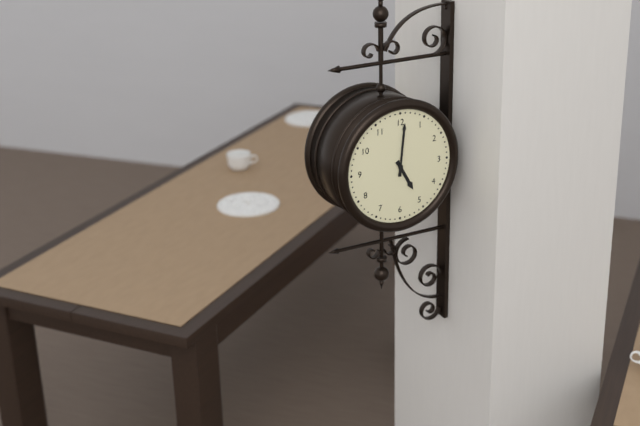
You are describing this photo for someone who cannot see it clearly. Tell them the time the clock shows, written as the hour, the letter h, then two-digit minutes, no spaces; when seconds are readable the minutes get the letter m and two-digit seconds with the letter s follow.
5h01
